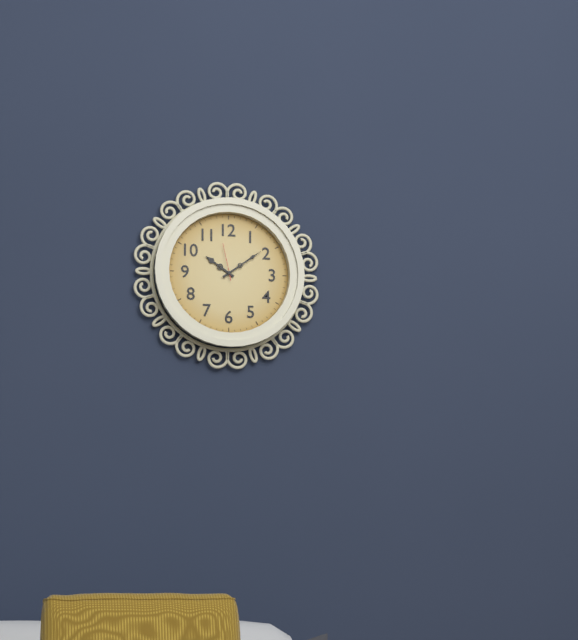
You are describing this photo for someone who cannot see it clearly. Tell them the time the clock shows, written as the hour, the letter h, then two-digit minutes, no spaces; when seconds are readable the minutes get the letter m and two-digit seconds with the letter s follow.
10h09
